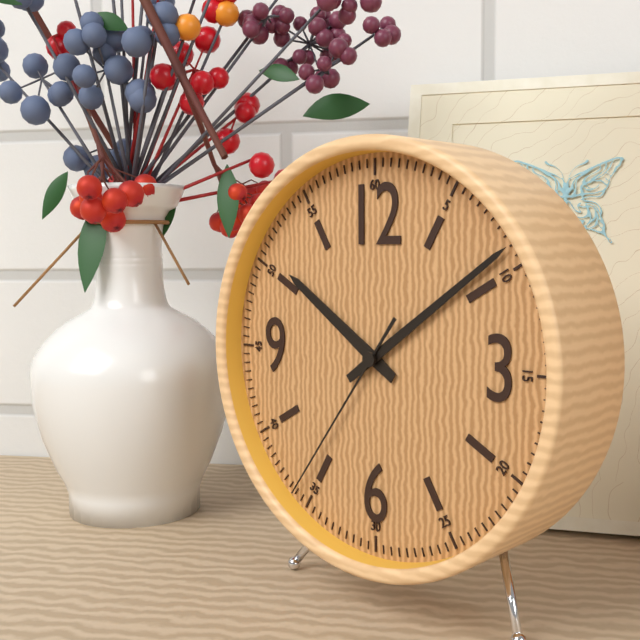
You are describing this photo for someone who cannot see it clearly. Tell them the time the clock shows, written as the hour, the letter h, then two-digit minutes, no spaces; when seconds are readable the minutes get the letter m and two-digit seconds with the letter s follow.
10h09m36s
